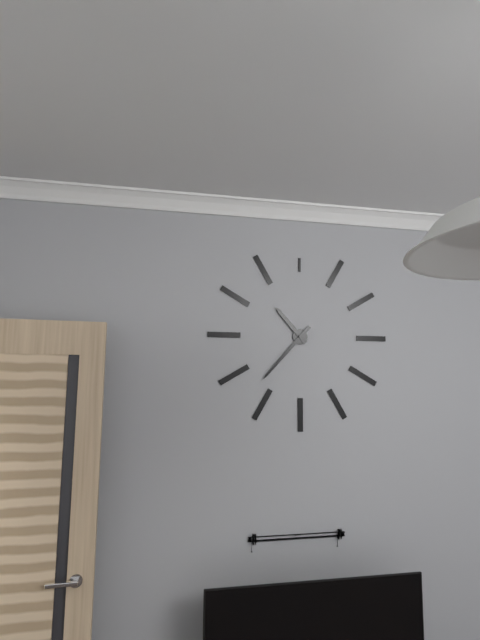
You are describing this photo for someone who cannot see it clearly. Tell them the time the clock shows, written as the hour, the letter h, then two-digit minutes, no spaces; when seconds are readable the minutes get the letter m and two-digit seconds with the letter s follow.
10h37
